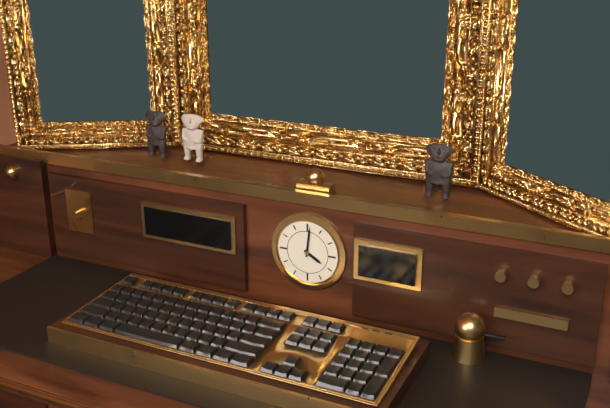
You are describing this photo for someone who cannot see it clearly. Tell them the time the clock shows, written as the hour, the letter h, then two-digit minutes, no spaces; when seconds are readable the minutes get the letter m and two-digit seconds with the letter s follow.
4h01
